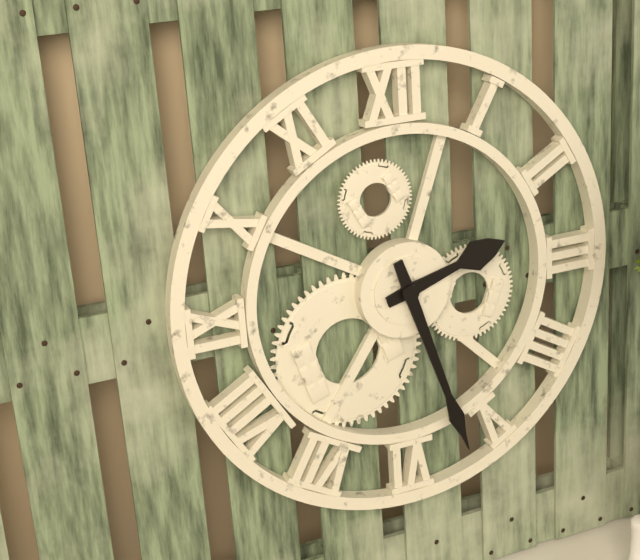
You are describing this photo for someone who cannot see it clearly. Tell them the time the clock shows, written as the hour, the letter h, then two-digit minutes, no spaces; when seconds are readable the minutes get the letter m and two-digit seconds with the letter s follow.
2h27
